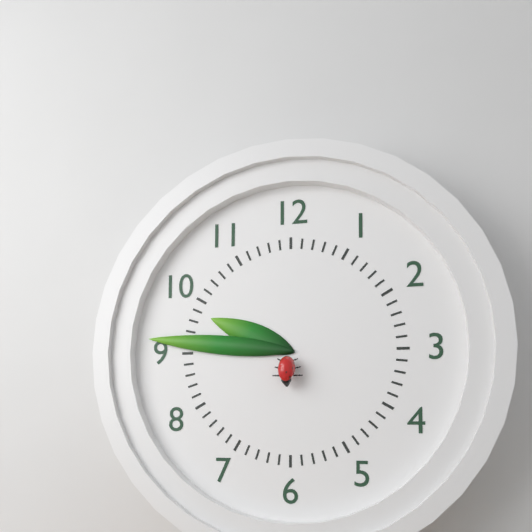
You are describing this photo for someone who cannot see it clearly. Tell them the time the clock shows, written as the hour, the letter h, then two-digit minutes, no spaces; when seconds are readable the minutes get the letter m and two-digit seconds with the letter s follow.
9h46
